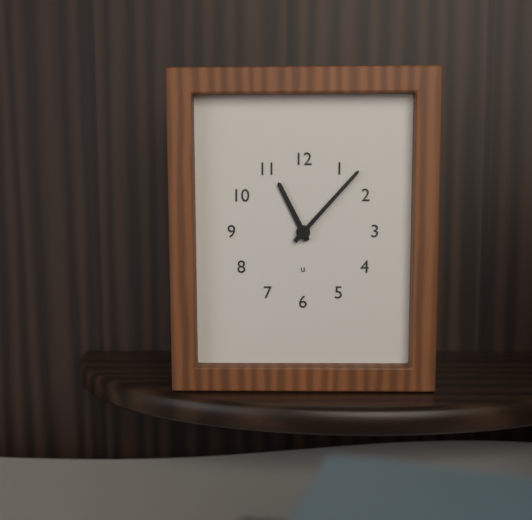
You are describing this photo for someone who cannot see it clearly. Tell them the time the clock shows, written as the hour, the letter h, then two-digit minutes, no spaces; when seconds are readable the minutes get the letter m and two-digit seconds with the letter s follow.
11h07
